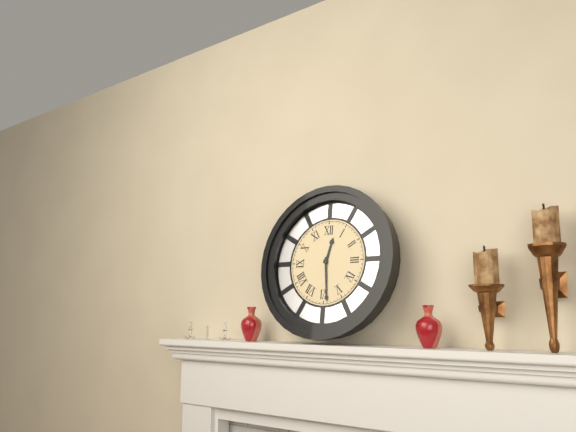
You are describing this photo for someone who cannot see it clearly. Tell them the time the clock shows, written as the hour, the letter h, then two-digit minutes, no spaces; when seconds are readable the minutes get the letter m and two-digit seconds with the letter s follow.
12h29
